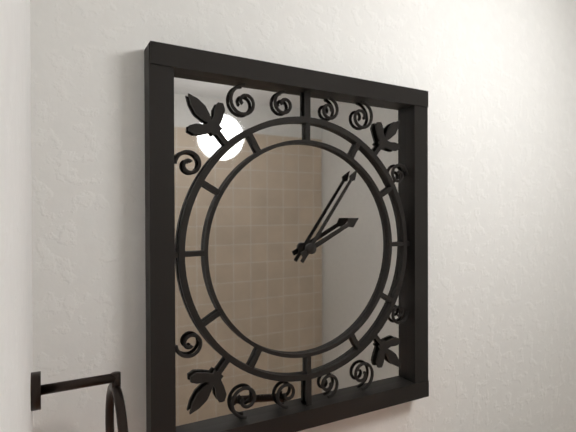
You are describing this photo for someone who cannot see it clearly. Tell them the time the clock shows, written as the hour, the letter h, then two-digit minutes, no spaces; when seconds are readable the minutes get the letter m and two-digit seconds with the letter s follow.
2h06
